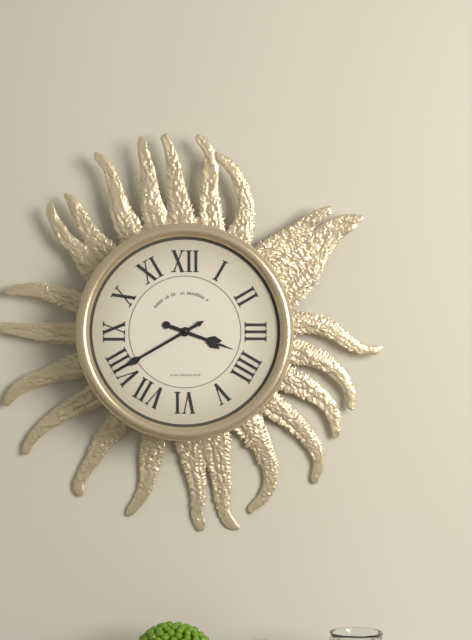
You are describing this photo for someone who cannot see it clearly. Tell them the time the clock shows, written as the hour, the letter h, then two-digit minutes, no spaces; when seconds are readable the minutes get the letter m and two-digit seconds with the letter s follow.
3h40
